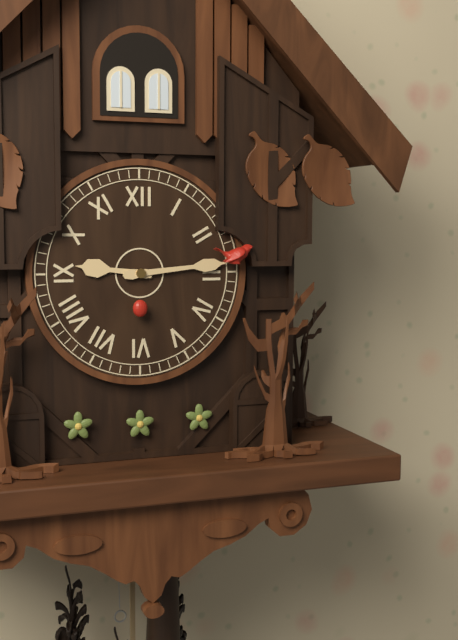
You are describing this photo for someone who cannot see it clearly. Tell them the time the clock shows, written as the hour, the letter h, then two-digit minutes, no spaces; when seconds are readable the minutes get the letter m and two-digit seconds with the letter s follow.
9h14
